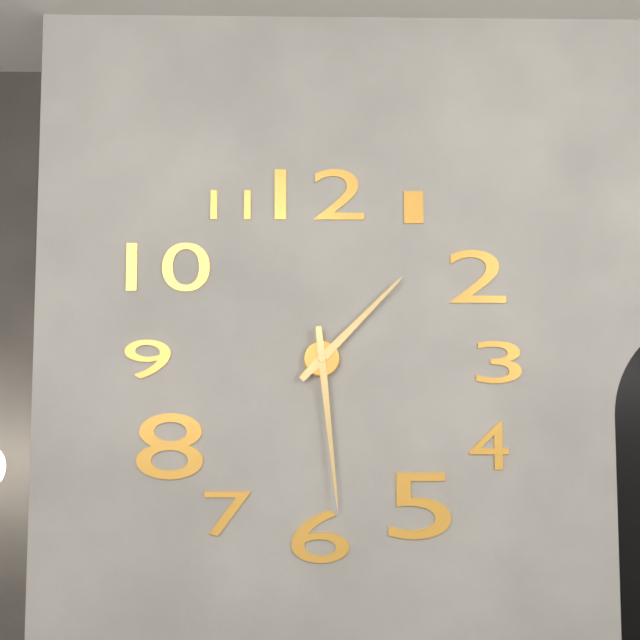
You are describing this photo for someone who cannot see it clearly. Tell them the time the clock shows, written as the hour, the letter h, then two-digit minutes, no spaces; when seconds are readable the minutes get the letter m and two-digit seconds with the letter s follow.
1h29
